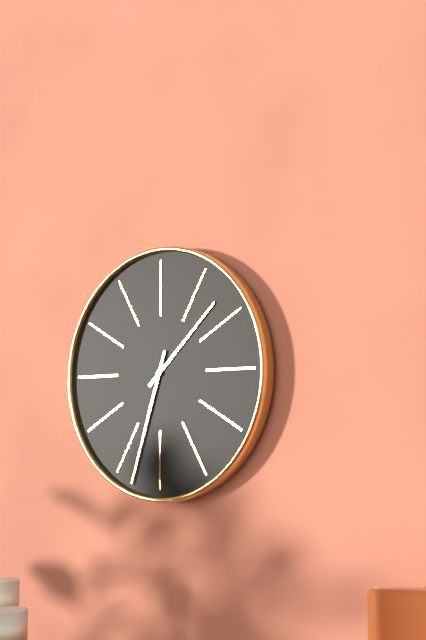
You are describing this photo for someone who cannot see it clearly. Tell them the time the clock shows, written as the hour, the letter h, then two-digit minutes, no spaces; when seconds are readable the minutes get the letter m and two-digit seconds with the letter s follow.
1h33
